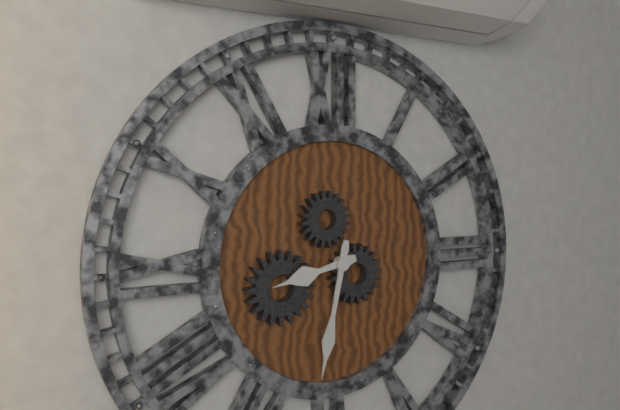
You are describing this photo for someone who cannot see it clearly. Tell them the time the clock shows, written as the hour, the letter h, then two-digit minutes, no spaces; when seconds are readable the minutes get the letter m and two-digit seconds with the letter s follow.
8h32
